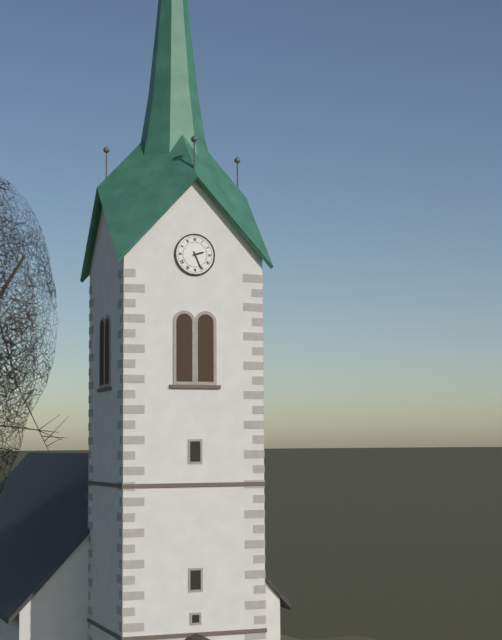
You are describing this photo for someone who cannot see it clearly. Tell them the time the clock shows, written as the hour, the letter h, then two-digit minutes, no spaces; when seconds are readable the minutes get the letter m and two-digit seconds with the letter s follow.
2h26
